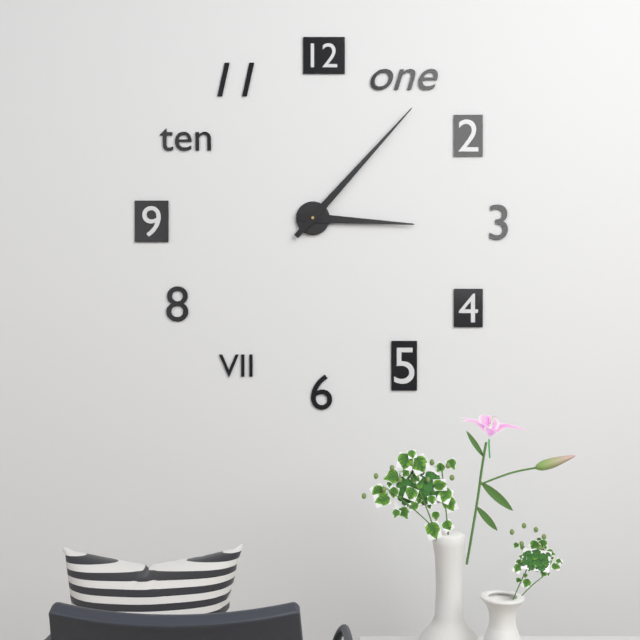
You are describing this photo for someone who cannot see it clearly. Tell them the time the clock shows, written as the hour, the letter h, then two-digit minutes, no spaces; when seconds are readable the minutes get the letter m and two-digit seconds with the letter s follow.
3h07
